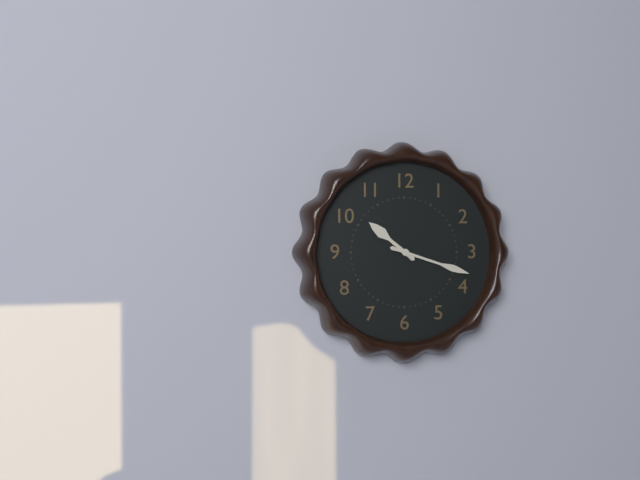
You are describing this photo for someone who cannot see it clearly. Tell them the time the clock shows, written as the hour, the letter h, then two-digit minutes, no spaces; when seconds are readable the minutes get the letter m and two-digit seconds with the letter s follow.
10h18
